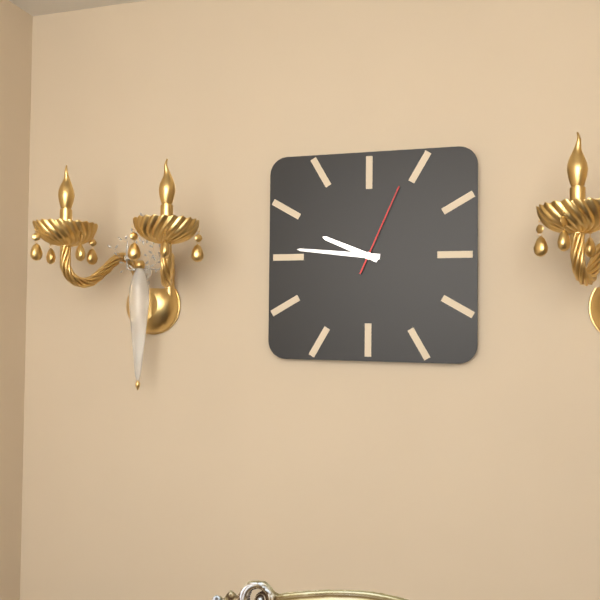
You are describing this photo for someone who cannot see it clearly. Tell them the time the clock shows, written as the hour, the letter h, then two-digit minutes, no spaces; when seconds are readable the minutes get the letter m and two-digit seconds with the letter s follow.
9h46m04s
